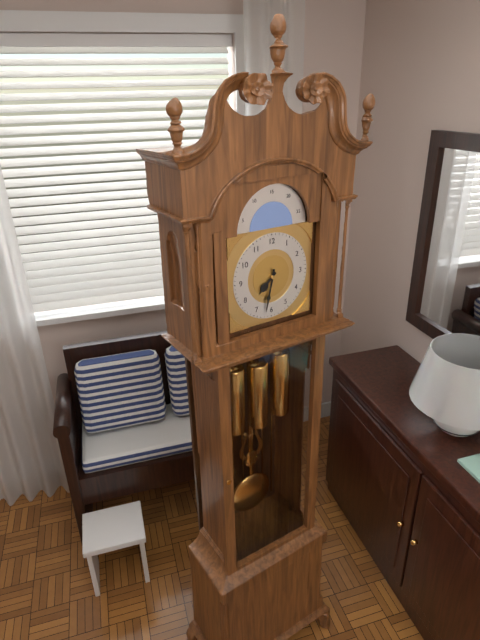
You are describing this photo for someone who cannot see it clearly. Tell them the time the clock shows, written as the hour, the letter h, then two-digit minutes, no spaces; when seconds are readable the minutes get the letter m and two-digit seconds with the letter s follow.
7h32
